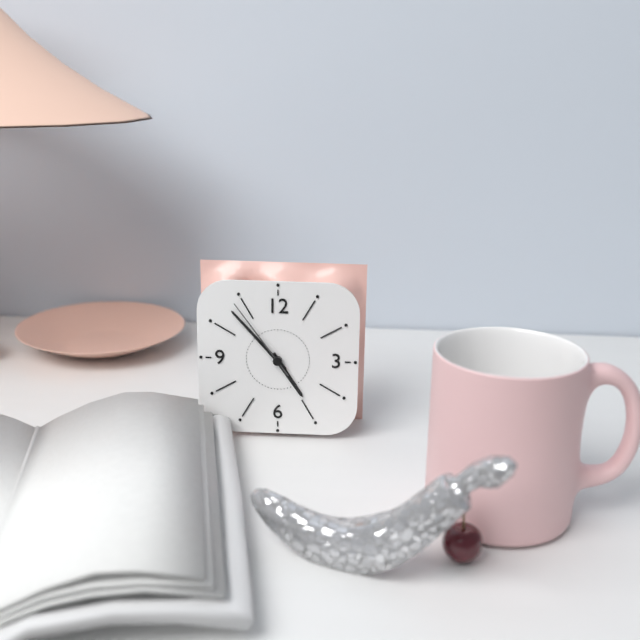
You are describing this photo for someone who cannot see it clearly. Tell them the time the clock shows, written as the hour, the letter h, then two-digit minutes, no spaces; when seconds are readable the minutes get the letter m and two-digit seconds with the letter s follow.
4h53m54s
